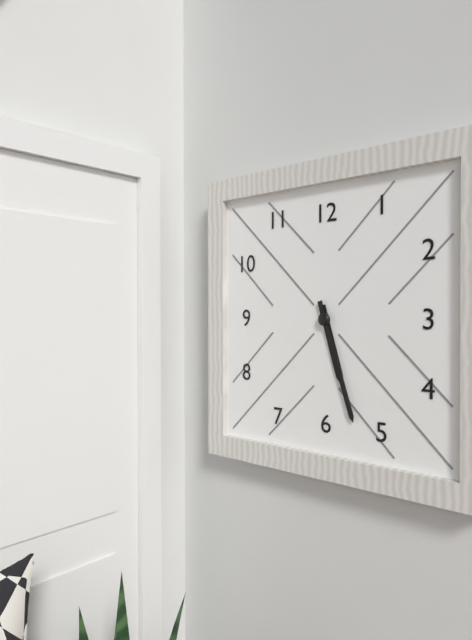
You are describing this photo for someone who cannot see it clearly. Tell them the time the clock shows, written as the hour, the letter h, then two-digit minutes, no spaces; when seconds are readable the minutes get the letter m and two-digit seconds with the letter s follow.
5h27
